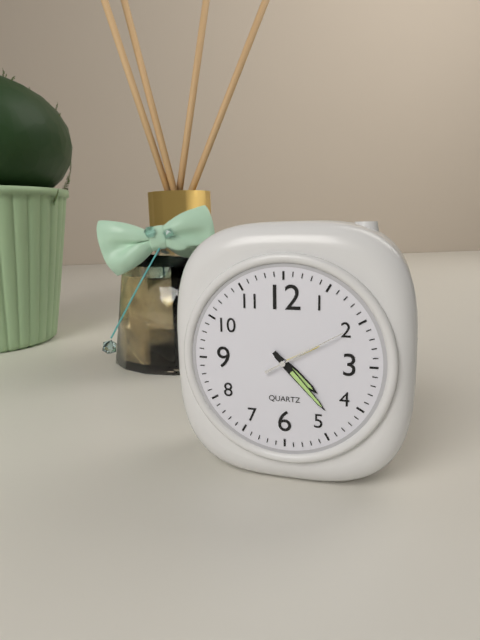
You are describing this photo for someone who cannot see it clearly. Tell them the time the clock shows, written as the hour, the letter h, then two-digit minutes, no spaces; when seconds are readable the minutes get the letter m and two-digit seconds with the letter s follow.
4h23m10s
